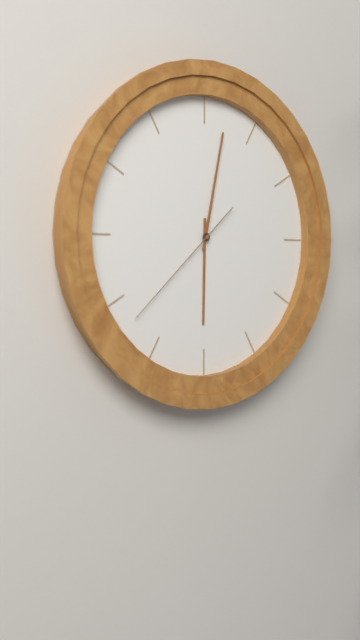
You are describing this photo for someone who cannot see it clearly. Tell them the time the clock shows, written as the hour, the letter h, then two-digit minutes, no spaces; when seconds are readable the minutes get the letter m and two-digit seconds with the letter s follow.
6h02m38s
